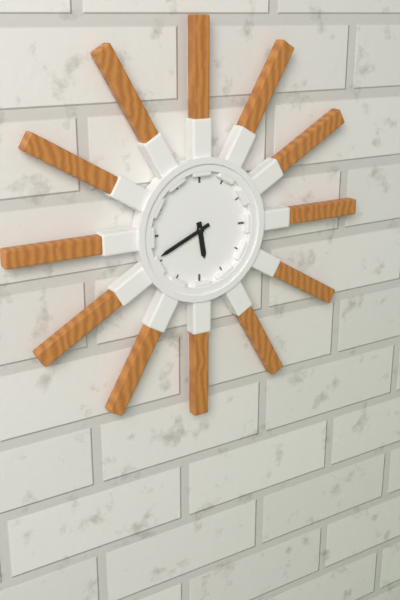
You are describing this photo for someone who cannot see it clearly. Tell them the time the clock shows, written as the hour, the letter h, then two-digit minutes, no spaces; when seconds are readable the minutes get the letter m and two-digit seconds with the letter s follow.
5h41
